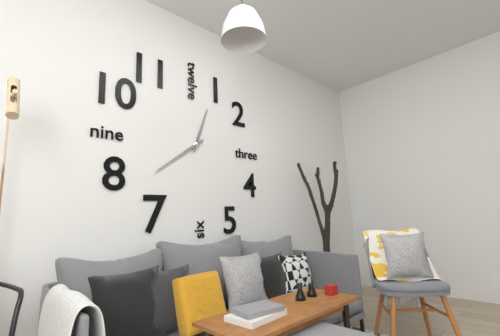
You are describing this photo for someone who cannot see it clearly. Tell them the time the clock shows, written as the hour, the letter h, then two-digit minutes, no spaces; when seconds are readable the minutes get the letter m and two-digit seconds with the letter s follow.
12h39
